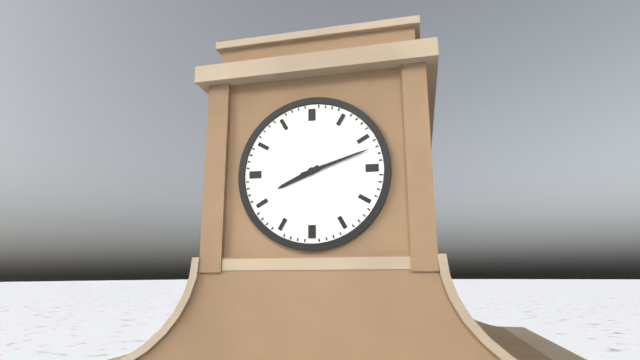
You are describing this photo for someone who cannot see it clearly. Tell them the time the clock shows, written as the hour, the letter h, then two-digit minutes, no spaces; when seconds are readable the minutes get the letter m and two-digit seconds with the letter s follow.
8h12
